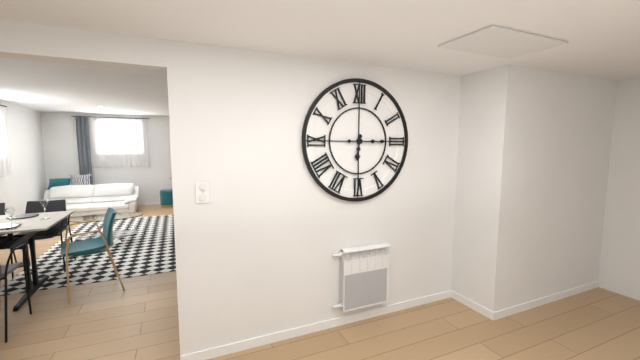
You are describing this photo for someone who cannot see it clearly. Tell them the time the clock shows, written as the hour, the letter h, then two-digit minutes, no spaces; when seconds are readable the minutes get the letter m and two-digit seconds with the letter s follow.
6h15
